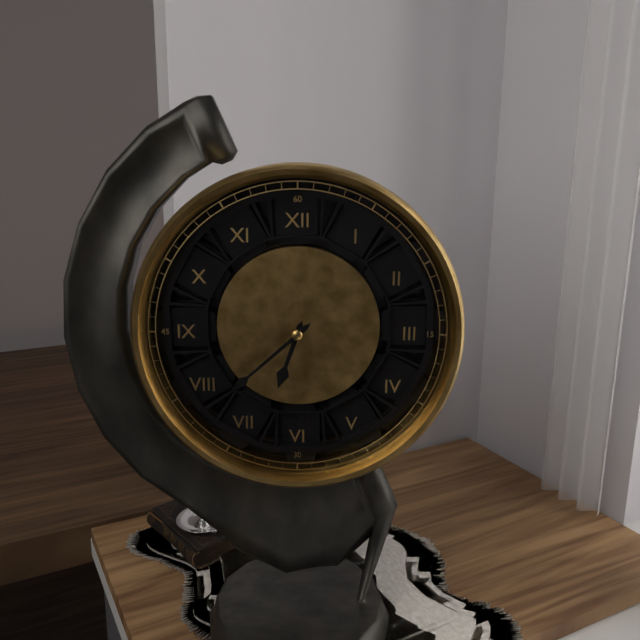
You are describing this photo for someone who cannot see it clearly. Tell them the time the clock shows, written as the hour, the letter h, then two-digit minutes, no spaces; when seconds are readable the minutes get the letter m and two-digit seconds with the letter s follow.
6h38
